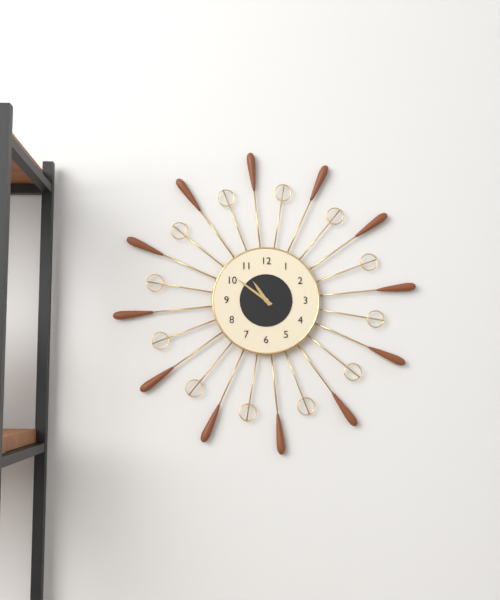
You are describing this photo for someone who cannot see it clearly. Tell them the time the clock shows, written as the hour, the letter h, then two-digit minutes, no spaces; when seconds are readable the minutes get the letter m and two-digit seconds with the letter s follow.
10h51
